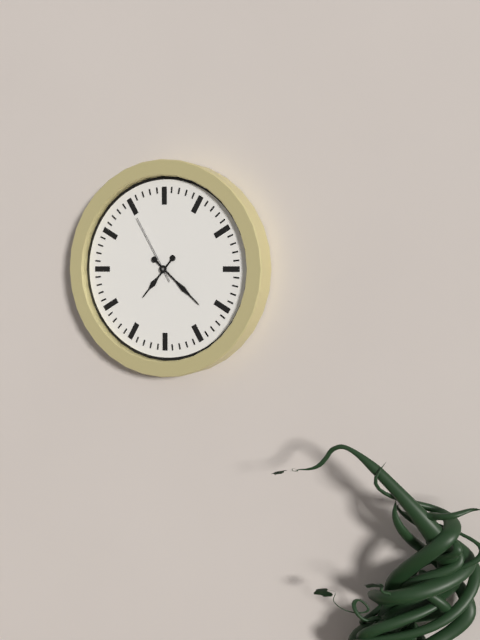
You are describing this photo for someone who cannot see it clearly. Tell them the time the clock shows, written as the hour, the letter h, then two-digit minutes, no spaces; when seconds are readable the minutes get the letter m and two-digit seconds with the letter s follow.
7h22m55s
